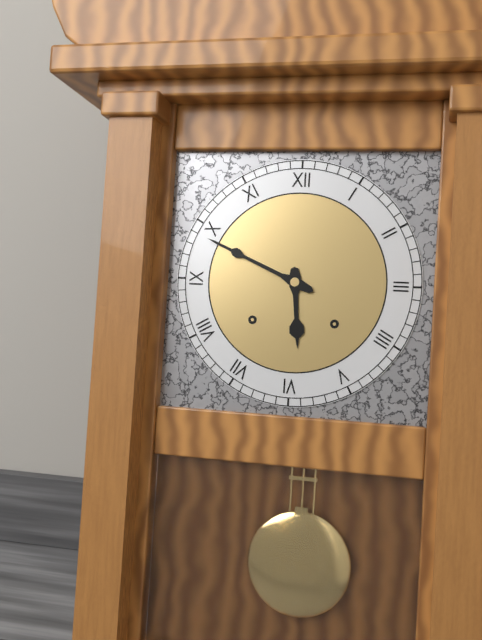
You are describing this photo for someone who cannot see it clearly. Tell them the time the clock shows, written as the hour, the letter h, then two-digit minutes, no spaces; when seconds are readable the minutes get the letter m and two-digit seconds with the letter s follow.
5h49
